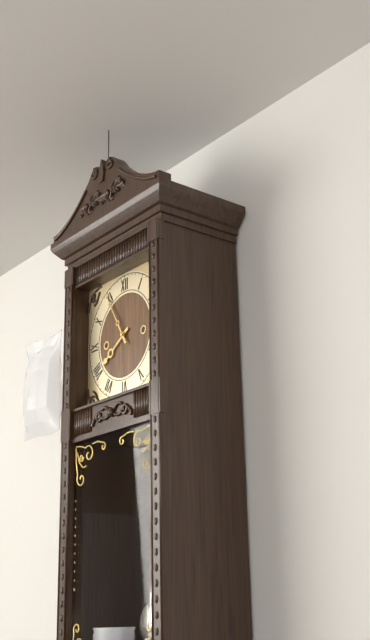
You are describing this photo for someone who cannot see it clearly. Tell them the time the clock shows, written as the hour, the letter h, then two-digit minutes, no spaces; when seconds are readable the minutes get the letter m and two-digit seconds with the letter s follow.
7h55
